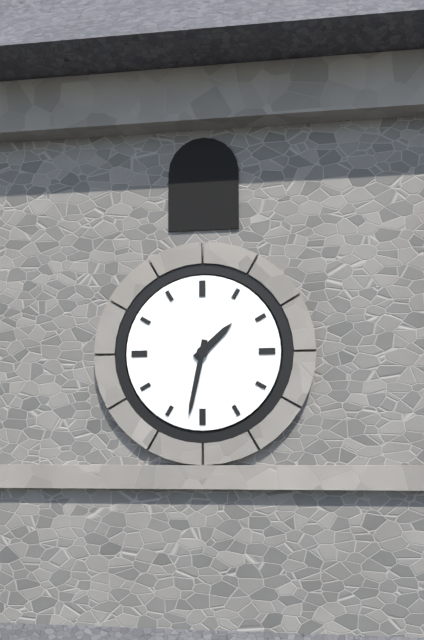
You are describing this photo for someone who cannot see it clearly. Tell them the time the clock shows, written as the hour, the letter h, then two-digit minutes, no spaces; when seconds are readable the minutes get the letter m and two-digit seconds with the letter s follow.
1h32
